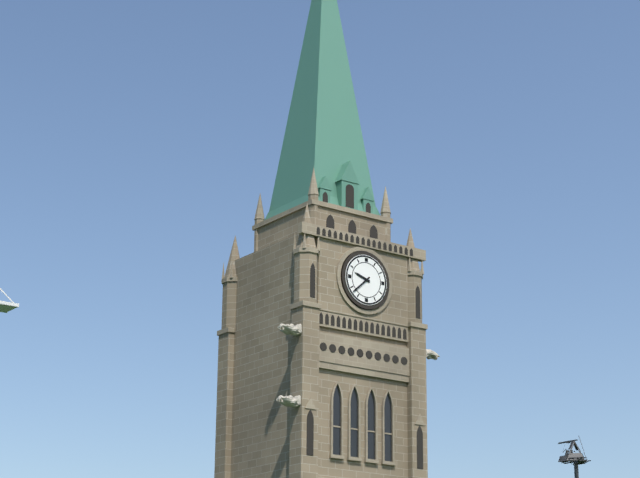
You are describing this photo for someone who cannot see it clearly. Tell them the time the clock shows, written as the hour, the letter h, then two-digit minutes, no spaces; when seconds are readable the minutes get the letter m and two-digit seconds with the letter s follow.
9h38
